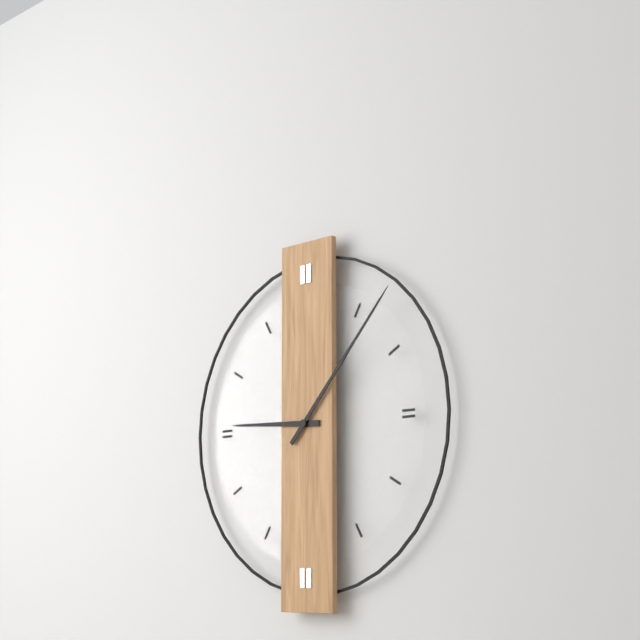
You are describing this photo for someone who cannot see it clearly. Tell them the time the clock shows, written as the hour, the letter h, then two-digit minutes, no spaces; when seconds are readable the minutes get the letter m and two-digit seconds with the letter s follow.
9h07
